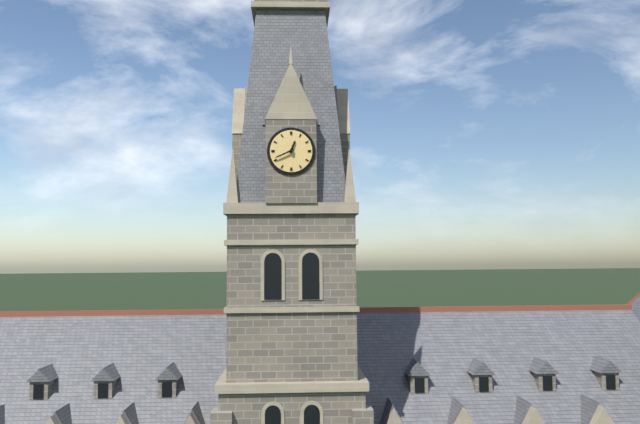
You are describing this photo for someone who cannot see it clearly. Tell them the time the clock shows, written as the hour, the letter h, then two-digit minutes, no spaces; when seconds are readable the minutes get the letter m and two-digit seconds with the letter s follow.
12h41
